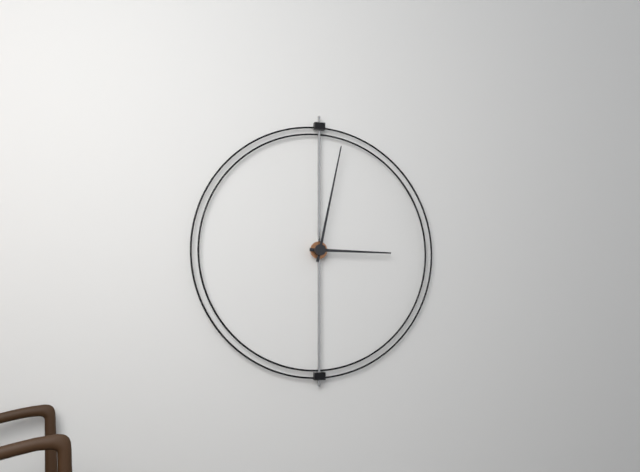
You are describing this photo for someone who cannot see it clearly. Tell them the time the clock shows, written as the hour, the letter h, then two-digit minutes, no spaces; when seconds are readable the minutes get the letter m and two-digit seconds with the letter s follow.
3h02
